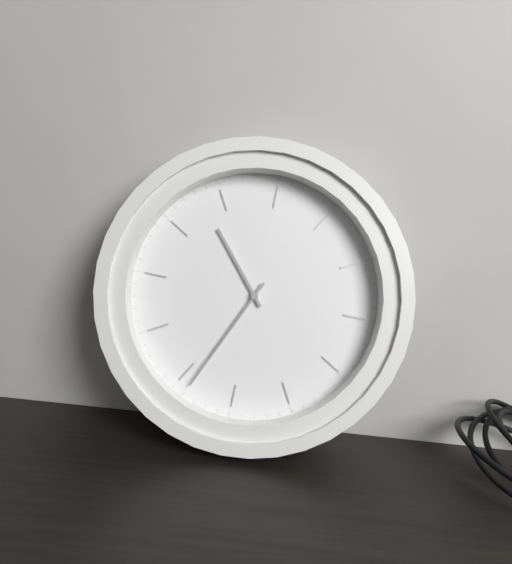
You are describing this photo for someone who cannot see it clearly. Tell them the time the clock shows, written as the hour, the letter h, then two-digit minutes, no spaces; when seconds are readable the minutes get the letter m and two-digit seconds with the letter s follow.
11h39
